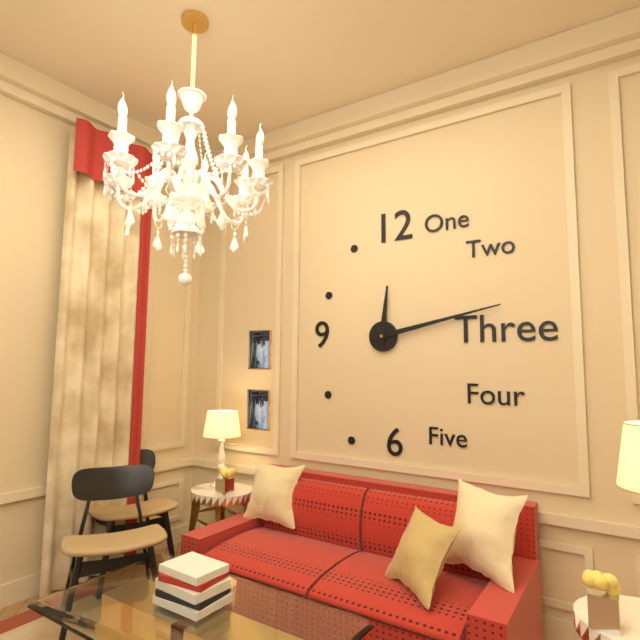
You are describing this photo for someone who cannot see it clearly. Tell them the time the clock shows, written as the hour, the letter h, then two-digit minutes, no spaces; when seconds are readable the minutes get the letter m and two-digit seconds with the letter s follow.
12h13
